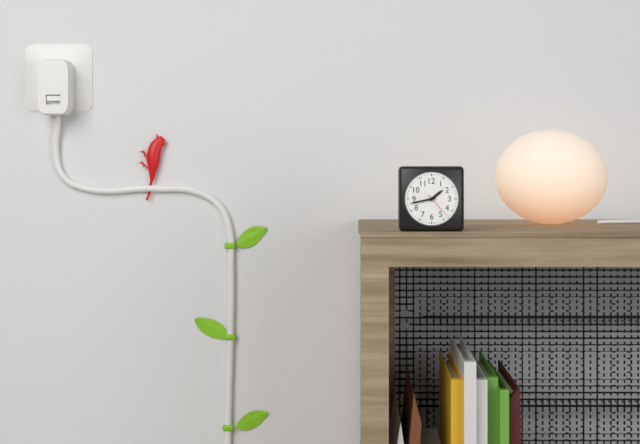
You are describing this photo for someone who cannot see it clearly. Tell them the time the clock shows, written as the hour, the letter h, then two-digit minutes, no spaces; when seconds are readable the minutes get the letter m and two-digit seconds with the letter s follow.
1h43
